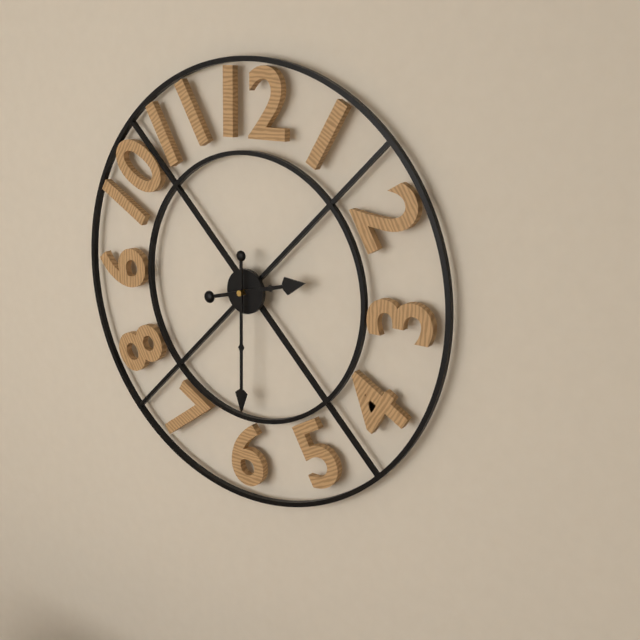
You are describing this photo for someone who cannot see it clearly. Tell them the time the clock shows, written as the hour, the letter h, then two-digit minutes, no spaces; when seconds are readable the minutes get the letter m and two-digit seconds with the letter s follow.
2h30
